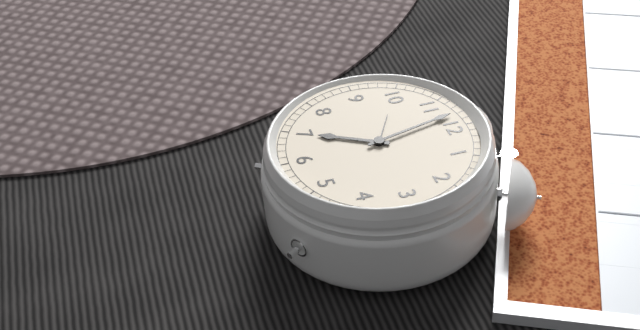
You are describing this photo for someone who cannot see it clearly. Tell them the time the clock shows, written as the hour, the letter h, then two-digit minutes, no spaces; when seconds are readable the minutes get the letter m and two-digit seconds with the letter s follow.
6h58
